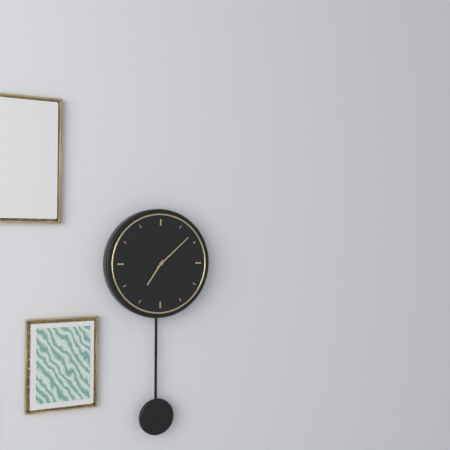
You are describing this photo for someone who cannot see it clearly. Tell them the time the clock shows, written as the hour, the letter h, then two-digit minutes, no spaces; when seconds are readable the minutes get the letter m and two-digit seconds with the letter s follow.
7h08
